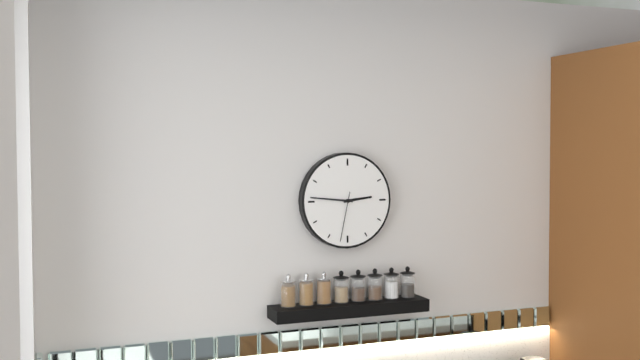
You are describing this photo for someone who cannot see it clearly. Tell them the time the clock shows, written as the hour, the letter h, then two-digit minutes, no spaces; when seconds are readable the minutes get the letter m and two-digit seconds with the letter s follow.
2h46m32s
